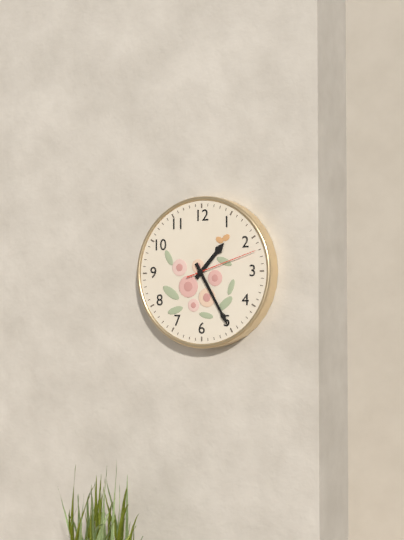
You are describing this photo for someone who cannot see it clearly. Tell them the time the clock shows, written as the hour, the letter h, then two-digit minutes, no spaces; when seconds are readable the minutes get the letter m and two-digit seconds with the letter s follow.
1h25m12s
